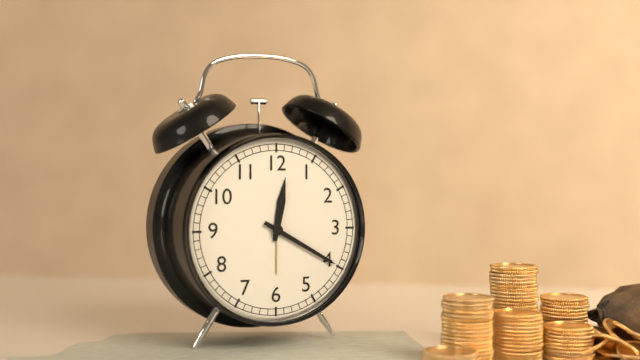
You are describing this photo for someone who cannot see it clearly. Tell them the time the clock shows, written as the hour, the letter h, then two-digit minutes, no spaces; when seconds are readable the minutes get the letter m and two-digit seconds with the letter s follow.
12h20
